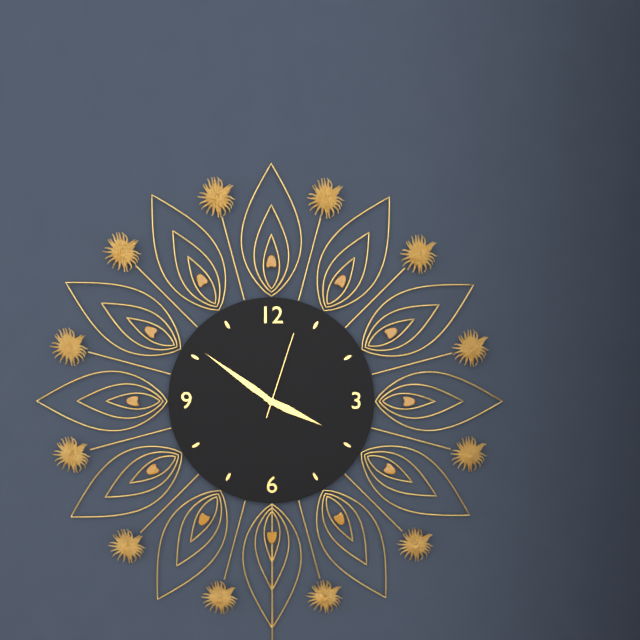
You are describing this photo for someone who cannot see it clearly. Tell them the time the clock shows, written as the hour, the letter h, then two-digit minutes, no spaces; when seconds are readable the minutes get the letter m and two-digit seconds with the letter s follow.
3h51m03s
